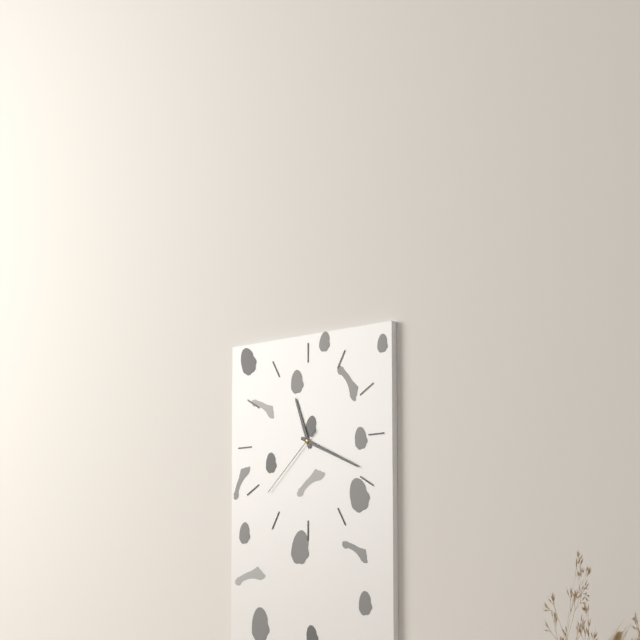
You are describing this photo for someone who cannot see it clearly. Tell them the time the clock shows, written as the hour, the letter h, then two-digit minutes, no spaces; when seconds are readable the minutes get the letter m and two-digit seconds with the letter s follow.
11h19m38s
